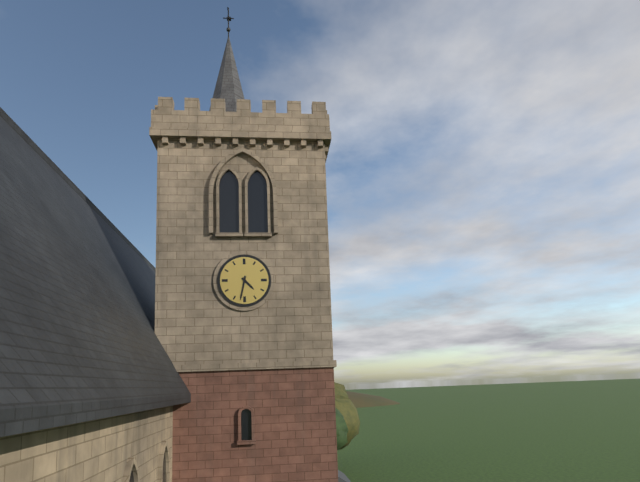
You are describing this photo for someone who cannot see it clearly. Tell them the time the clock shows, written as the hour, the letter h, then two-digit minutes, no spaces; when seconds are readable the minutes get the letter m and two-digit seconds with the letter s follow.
4h32
